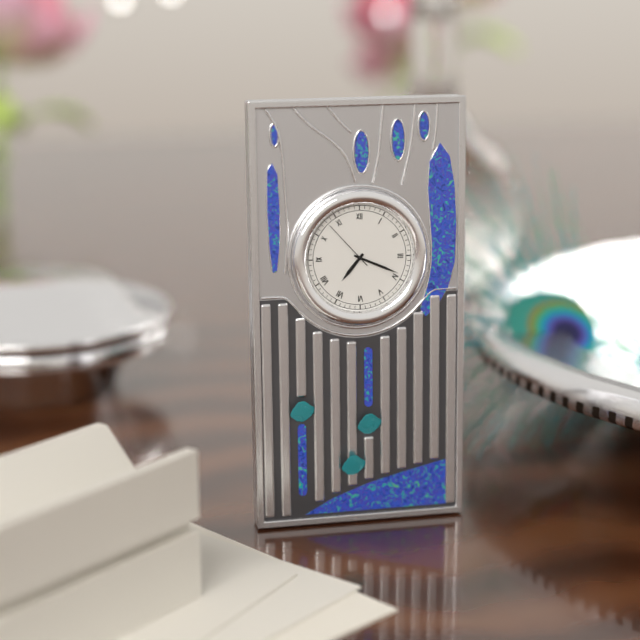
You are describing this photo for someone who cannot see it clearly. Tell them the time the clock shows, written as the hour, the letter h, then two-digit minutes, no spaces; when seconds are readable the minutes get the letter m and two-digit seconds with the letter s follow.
7h19m53s
